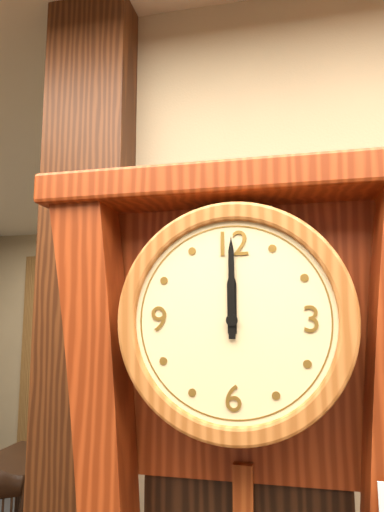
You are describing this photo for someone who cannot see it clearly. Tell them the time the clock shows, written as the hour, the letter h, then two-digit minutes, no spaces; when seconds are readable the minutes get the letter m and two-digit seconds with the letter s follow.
12h00
